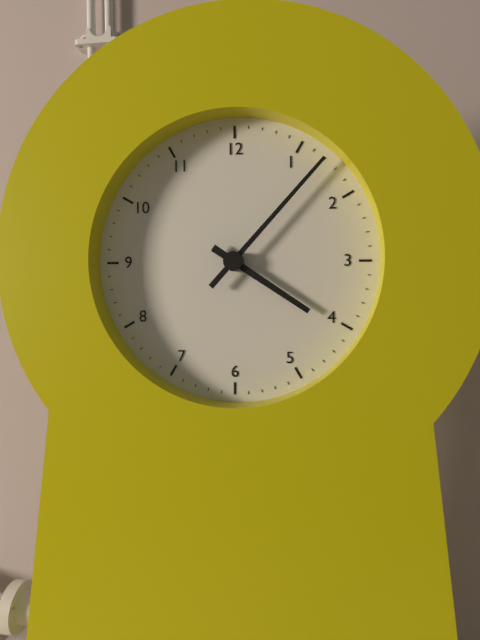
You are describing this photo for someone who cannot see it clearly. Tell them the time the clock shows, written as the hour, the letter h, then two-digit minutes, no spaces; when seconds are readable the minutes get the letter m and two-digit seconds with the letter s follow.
4h07
